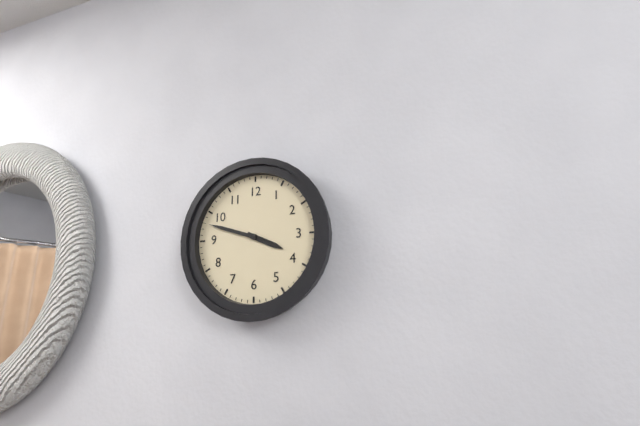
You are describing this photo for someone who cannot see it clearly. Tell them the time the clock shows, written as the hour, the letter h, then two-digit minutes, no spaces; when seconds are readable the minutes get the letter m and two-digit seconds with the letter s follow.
3h48
